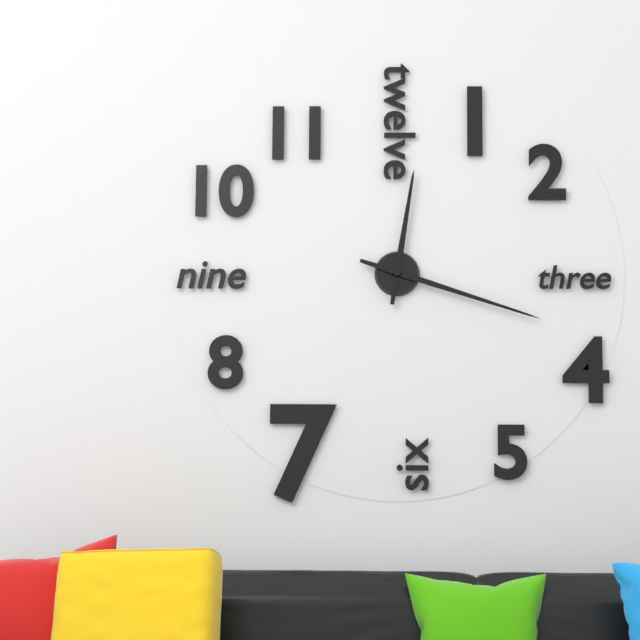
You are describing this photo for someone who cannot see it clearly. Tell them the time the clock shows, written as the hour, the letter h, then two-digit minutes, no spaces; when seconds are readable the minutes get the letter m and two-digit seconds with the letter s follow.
12h18
